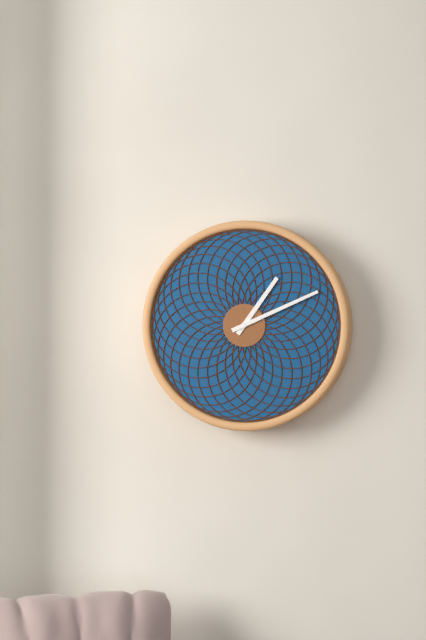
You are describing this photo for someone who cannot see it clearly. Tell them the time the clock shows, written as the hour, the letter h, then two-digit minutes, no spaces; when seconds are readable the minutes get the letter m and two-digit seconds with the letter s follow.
1h11
